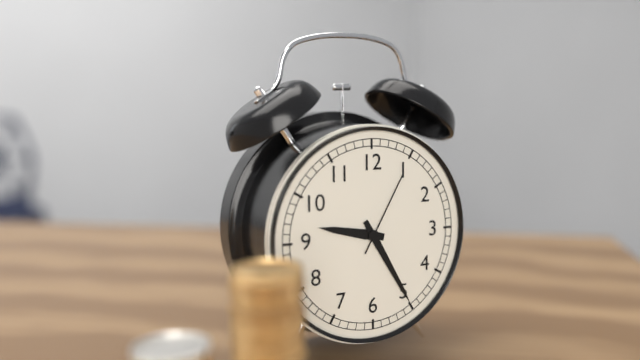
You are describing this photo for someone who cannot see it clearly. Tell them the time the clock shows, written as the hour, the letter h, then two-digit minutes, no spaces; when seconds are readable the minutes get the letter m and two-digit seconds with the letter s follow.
9h25m05s
